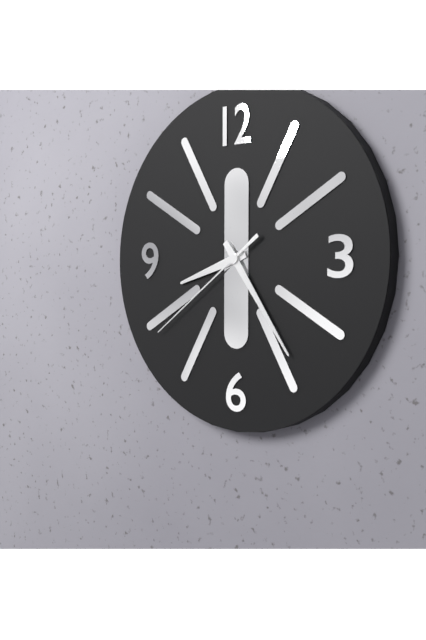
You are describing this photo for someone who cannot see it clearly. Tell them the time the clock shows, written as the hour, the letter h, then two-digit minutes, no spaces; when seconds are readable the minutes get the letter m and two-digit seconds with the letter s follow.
8h24m39s
